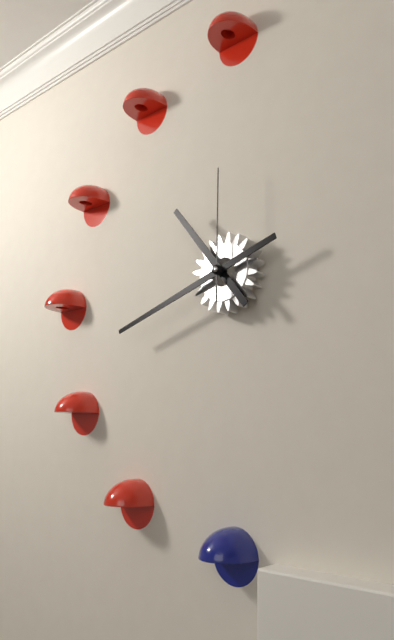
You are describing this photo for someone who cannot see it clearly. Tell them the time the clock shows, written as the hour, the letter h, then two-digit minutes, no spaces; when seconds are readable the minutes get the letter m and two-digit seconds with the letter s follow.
10h42m00s
